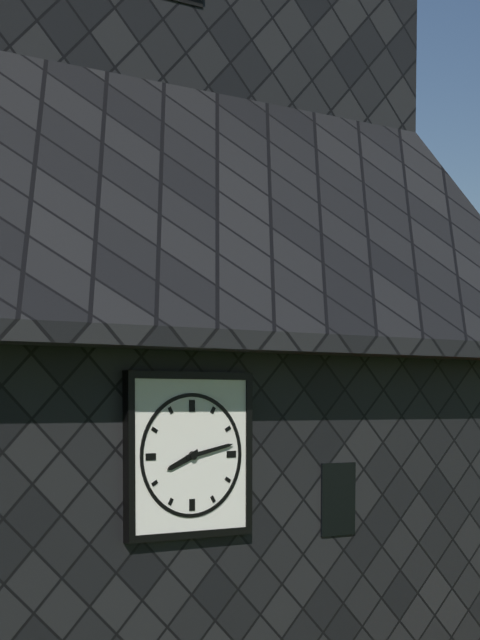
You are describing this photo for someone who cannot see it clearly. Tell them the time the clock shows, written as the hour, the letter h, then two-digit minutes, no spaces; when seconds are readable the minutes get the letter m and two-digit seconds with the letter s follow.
8h13
